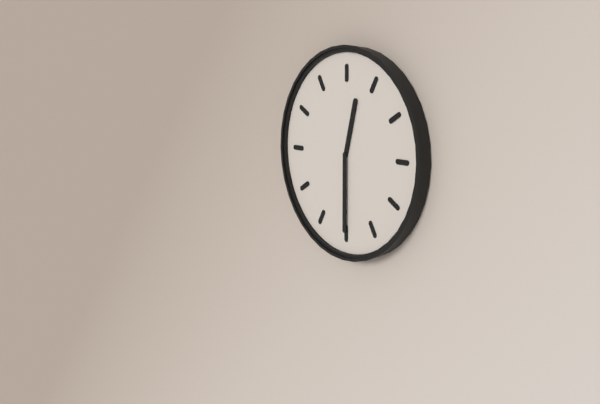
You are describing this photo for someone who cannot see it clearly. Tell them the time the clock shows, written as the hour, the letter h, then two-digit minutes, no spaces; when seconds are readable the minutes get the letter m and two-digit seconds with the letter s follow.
12h30
